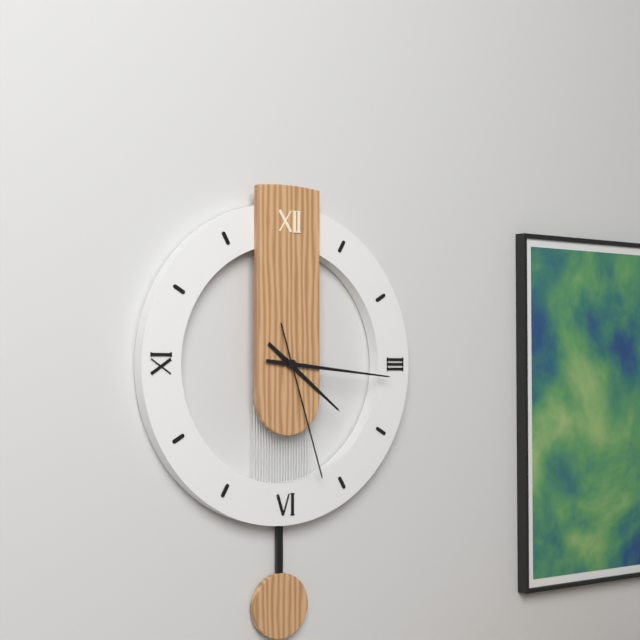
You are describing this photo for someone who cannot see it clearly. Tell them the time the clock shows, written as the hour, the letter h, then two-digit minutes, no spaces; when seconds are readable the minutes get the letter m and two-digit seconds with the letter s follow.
4h16m27s
